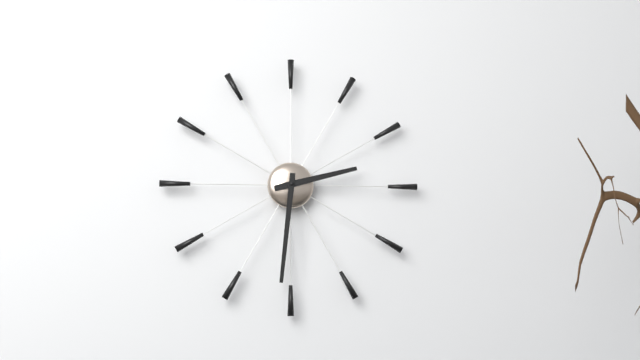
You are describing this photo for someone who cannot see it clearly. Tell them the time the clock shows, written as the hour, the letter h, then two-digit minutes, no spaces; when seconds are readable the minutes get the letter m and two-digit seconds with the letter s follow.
2h31
